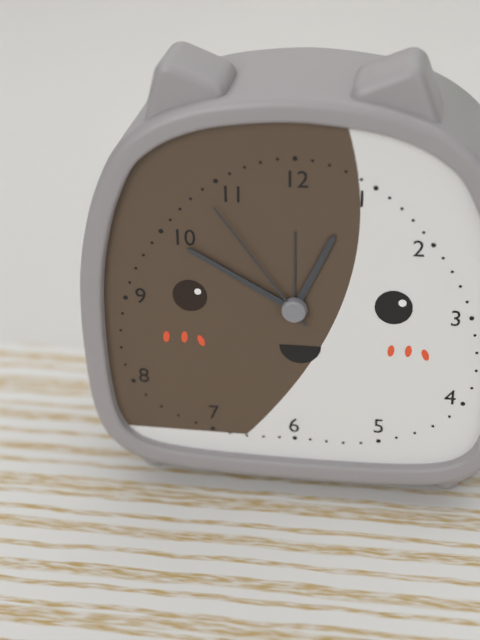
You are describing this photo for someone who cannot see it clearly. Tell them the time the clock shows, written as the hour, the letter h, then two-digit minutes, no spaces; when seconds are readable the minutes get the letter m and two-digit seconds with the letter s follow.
12h50m54s
